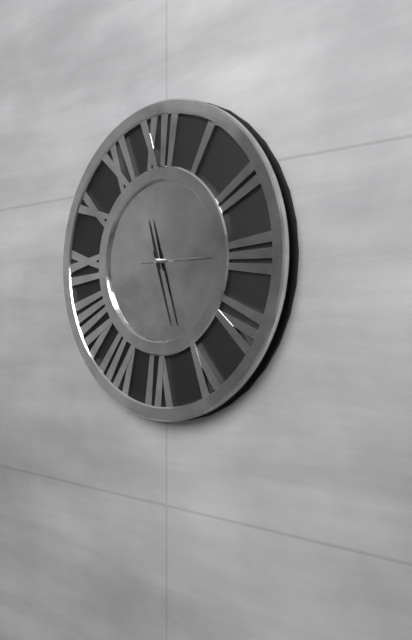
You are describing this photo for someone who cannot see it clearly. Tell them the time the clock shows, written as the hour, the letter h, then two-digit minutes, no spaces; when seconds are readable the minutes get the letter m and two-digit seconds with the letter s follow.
11h27m15s
